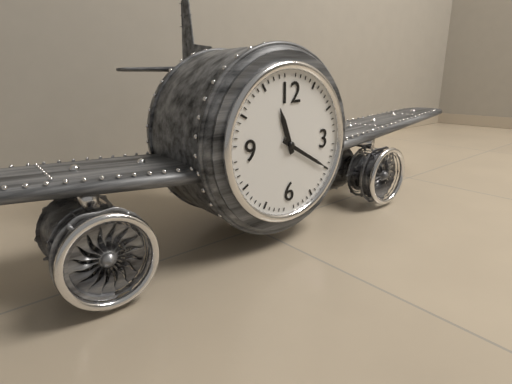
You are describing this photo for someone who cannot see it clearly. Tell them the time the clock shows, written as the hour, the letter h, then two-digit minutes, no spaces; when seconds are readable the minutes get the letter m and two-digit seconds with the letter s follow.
11h20
